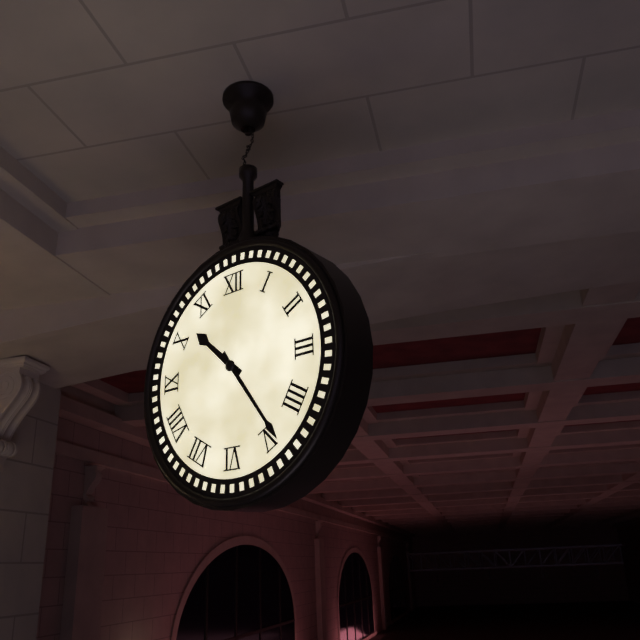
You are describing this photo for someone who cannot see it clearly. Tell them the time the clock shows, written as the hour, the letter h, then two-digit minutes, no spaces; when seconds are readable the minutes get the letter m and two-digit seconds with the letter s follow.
10h24
